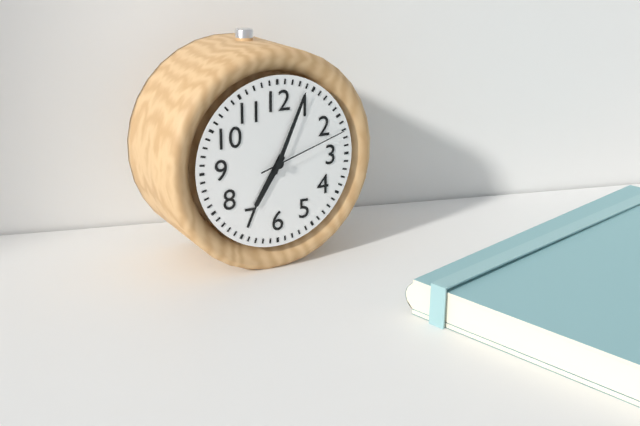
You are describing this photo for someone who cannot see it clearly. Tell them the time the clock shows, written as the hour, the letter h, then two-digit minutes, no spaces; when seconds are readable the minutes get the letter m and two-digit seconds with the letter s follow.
7h04m12s
